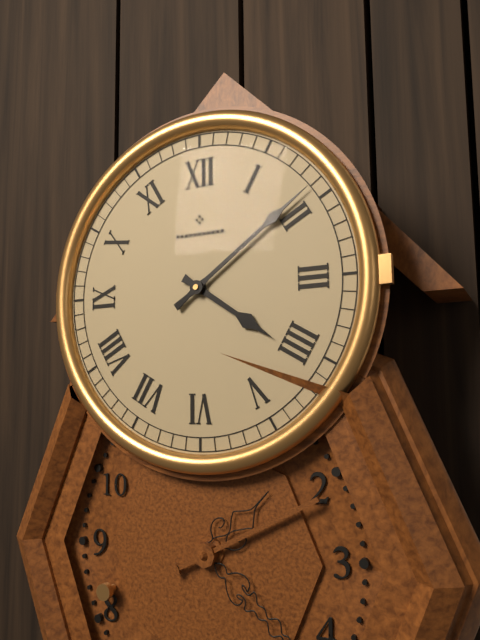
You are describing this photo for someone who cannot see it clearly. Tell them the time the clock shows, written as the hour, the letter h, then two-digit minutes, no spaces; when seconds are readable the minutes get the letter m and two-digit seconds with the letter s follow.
4h09
